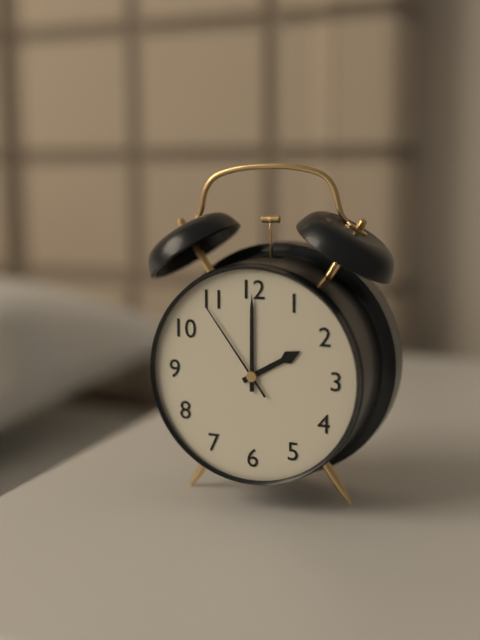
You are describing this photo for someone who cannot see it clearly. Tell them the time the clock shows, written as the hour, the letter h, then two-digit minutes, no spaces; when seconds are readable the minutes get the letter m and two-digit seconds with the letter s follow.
2h00m54s
